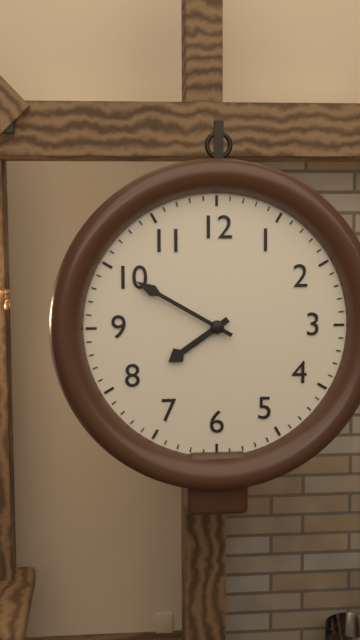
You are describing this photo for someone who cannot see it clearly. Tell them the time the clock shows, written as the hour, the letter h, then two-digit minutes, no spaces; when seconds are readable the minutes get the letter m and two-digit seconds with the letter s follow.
7h50
